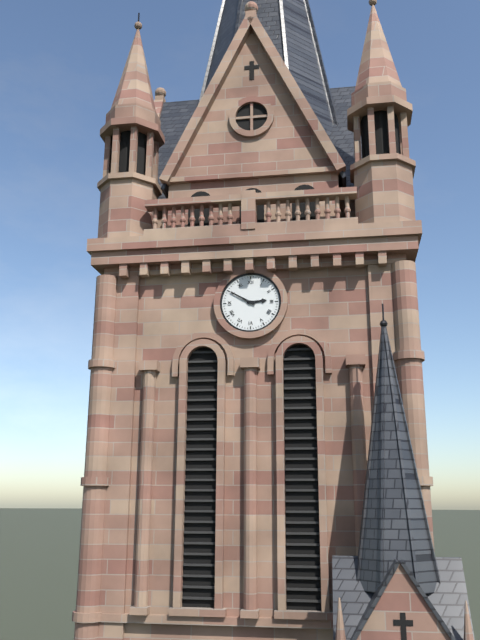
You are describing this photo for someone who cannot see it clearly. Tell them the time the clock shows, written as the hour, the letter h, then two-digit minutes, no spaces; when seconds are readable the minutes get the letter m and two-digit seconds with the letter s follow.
2h50
